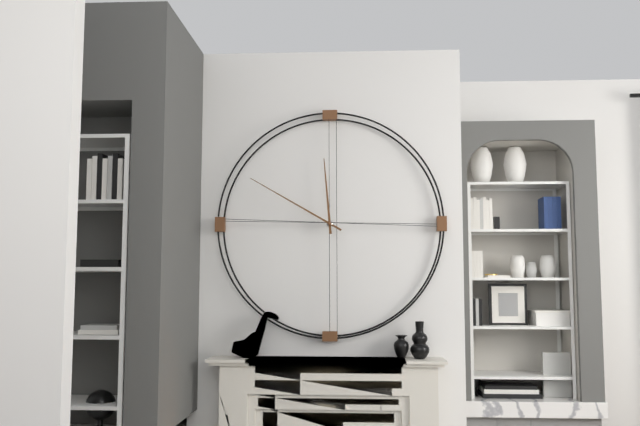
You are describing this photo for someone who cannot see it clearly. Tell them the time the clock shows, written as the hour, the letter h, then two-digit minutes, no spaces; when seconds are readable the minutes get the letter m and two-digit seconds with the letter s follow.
11h50
